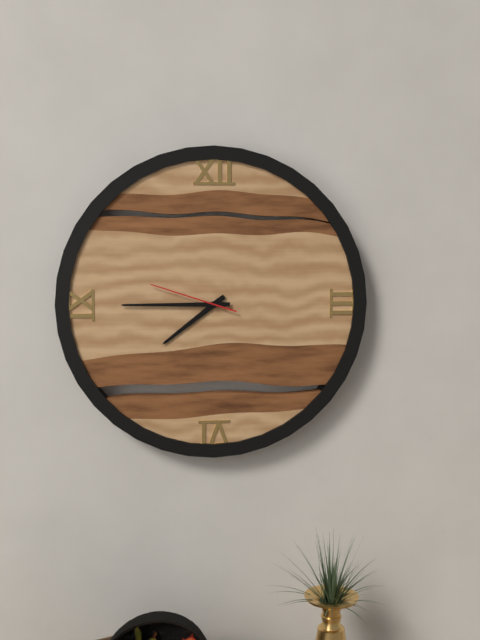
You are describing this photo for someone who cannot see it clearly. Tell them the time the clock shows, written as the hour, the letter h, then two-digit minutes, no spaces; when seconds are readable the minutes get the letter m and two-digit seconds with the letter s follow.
7h45m48s
